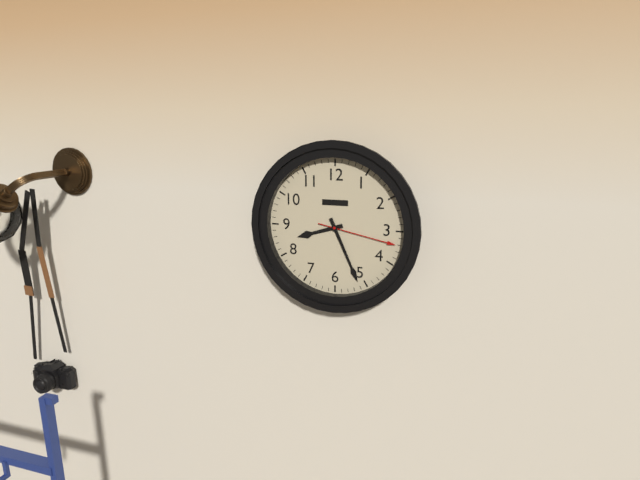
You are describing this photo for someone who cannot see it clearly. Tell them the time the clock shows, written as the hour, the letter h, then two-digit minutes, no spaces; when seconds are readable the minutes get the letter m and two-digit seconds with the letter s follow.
8h26m17s
